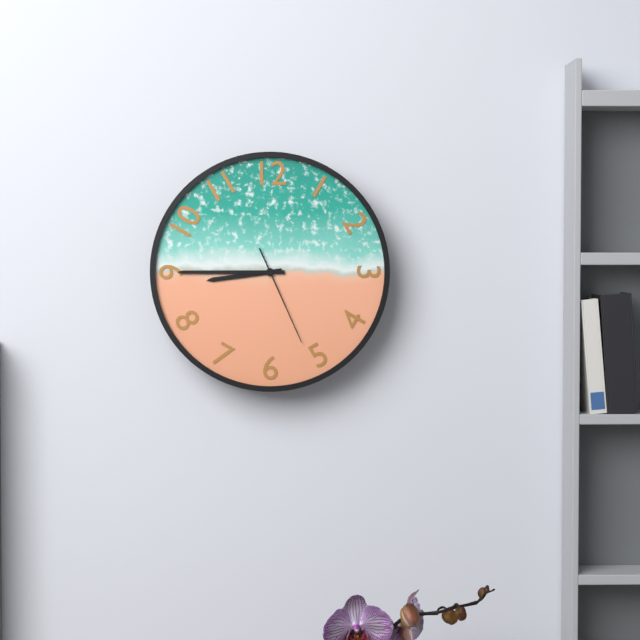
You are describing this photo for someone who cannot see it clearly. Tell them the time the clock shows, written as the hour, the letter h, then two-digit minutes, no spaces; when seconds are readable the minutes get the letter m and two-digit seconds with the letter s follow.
8h45m26s
